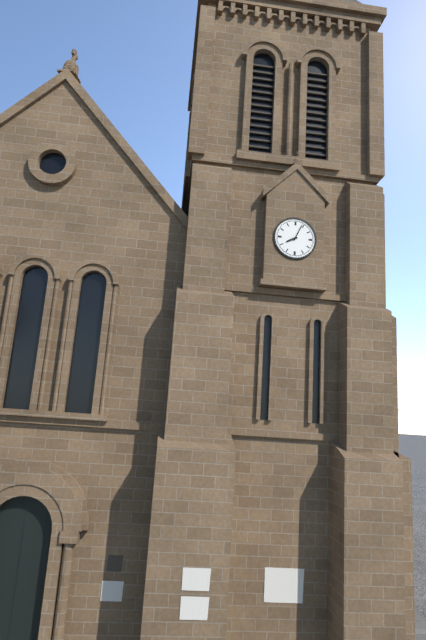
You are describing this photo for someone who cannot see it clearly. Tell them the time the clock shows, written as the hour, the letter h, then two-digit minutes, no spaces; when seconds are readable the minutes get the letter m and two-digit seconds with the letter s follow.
8h04
